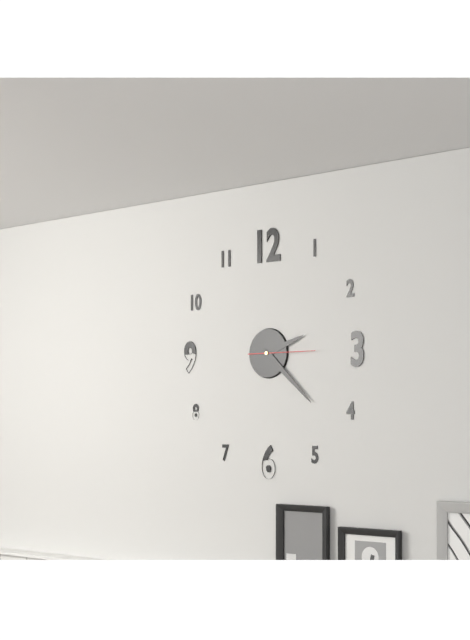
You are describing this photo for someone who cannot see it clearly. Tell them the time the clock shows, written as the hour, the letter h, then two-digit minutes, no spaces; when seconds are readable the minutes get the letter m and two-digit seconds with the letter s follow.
2h22m15s
